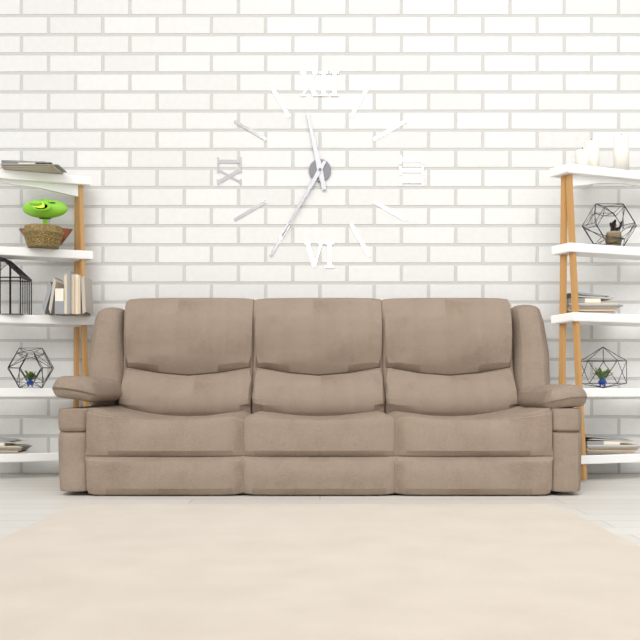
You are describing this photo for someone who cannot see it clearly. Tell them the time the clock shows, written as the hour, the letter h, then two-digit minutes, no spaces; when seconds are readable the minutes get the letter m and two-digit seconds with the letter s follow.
11h35
